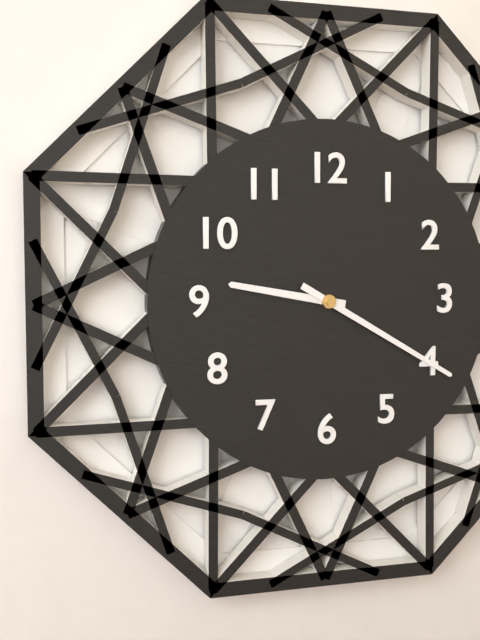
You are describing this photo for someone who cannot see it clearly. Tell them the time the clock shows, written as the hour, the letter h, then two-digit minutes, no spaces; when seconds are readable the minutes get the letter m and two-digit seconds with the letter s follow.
9h20
